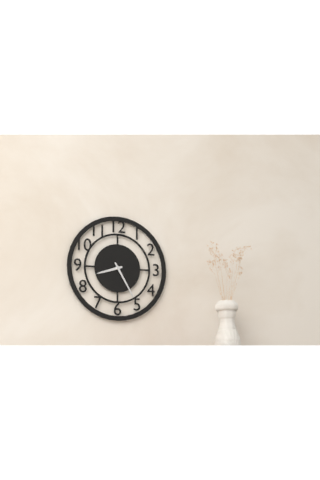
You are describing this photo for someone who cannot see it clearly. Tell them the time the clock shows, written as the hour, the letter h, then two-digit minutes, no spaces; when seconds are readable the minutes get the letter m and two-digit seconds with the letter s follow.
8h25
